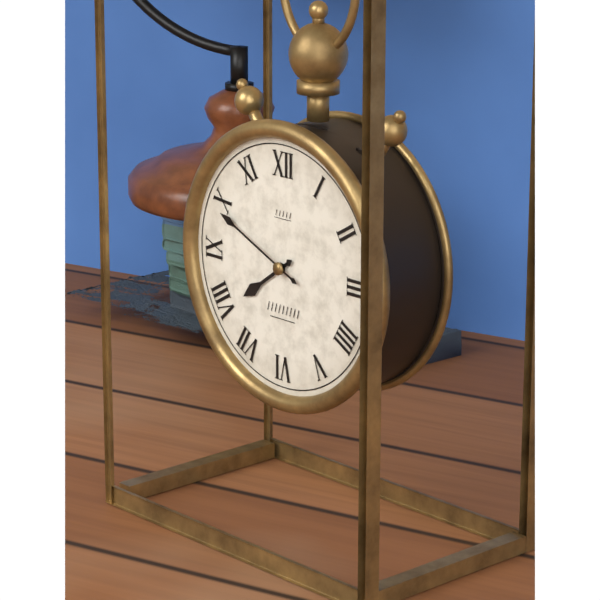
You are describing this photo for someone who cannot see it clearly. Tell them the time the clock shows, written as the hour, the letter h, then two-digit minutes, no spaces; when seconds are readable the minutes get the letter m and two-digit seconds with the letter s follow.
7h49
